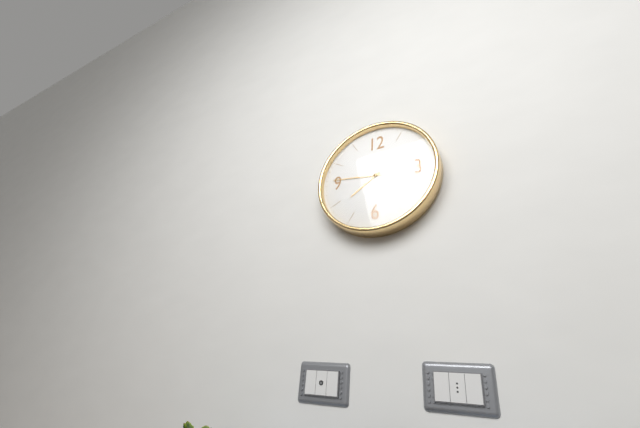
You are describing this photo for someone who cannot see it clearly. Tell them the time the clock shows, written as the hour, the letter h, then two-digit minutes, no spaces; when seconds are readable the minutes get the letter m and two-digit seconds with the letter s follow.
7h46
